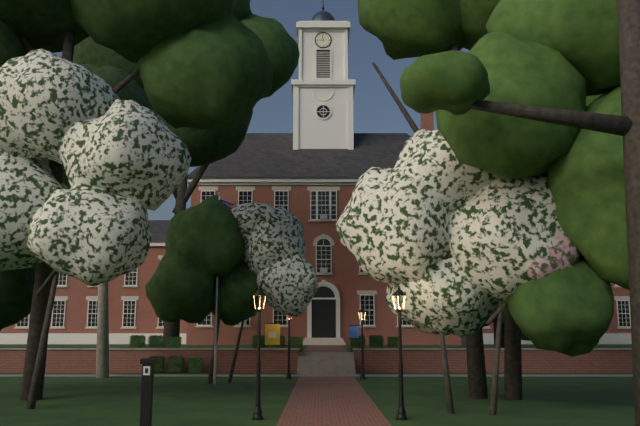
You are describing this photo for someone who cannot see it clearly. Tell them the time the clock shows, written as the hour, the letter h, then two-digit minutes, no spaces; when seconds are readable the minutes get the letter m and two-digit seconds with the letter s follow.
8h58
